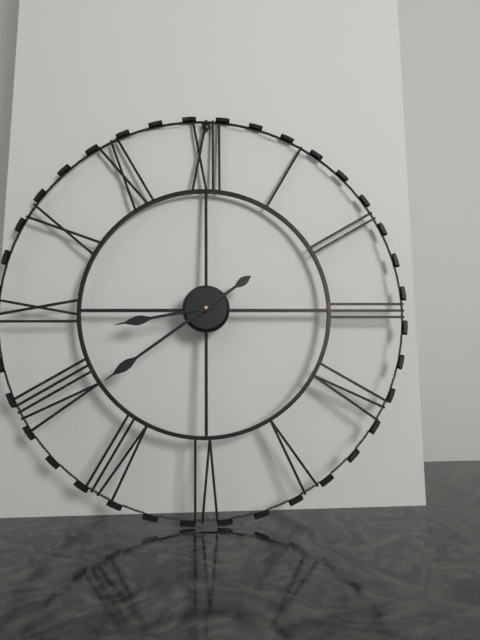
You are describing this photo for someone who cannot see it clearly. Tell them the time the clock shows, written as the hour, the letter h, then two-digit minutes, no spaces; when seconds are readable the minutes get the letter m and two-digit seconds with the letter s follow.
8h39
